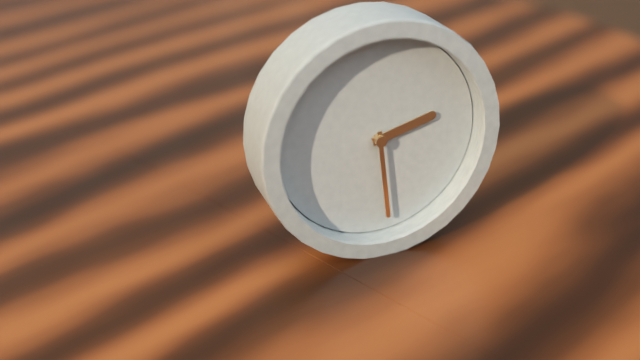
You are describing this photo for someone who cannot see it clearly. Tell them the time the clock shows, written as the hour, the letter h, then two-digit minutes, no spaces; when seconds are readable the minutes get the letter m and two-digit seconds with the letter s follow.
2h29
